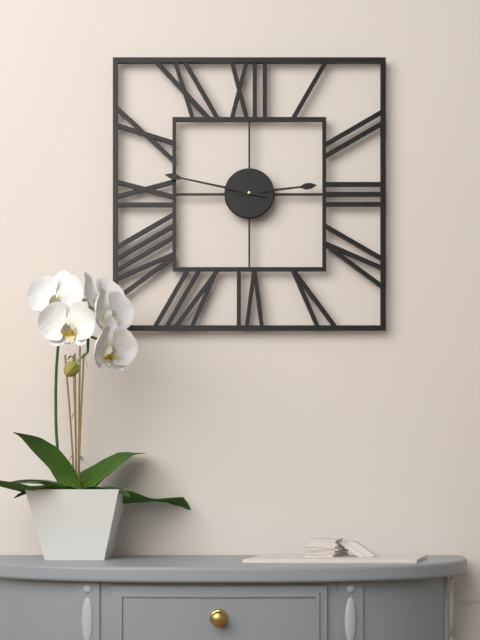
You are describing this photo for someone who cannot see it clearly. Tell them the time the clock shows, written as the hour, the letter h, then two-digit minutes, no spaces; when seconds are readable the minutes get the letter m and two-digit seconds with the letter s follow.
2h47
